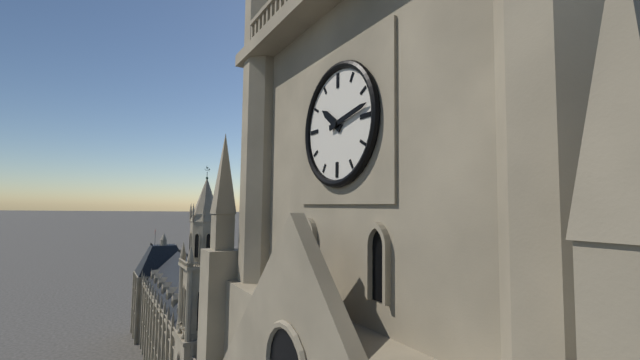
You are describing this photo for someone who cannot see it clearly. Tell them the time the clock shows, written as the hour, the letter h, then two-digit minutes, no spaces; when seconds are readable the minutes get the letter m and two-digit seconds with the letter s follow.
10h13
